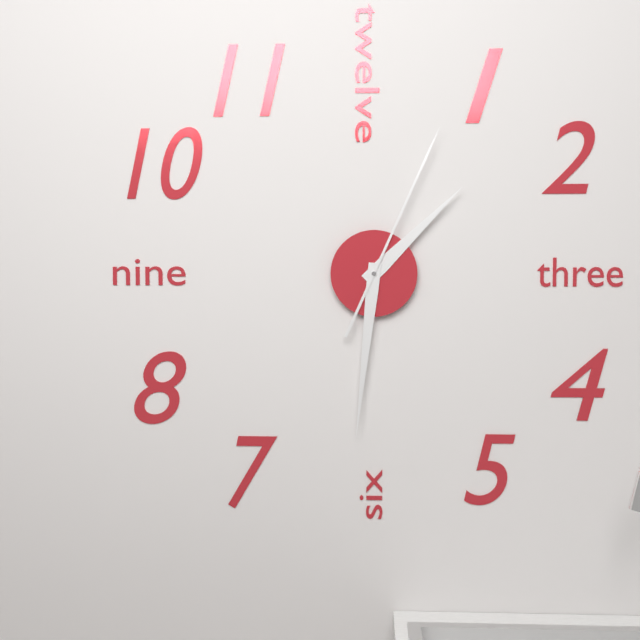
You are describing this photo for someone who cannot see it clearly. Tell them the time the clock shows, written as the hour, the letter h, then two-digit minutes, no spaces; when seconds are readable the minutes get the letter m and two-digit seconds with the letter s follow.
1h31m04s
